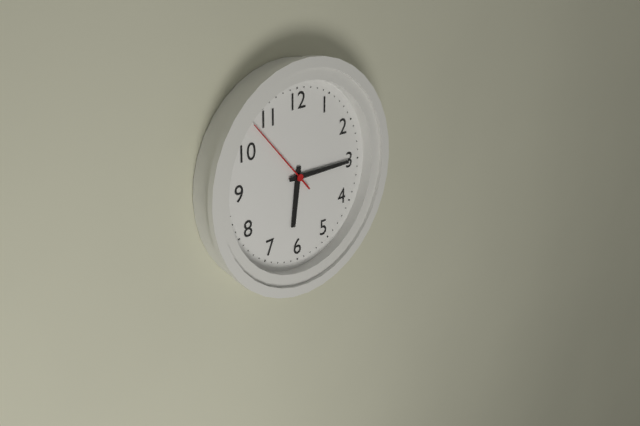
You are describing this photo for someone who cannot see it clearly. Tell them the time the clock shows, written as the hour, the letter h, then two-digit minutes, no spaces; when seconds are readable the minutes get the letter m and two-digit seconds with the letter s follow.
6h15m53s
